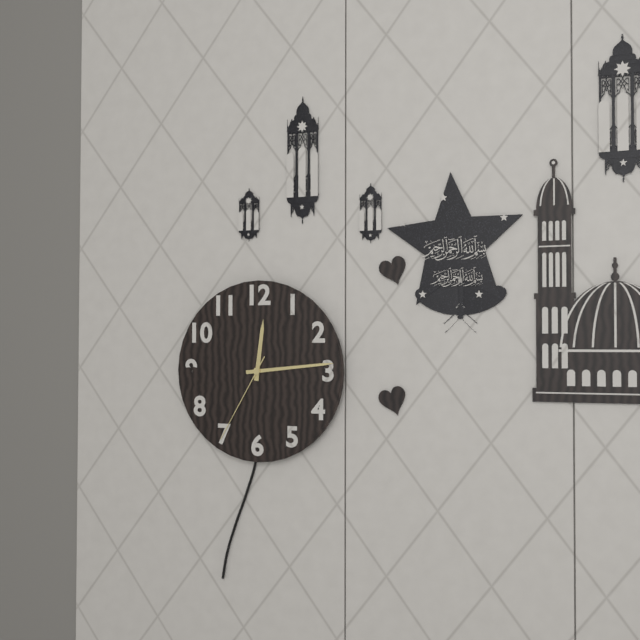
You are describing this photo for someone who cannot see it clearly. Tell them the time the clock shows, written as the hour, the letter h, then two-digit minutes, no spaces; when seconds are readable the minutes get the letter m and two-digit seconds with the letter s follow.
12h14m35s
